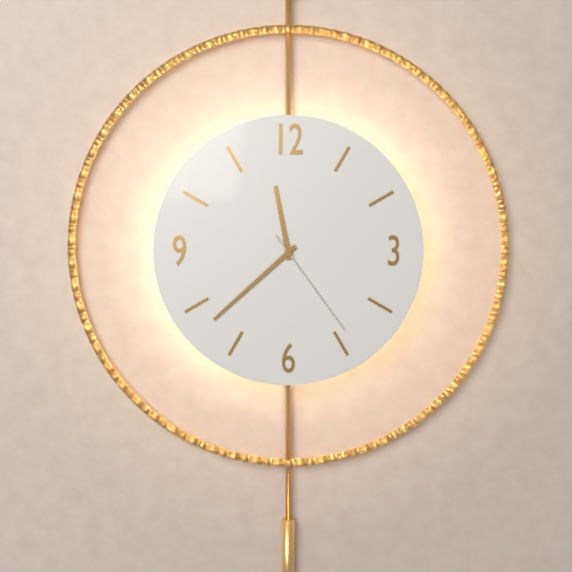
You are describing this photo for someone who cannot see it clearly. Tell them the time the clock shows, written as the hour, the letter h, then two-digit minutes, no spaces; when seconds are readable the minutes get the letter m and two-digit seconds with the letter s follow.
11h38m24s
